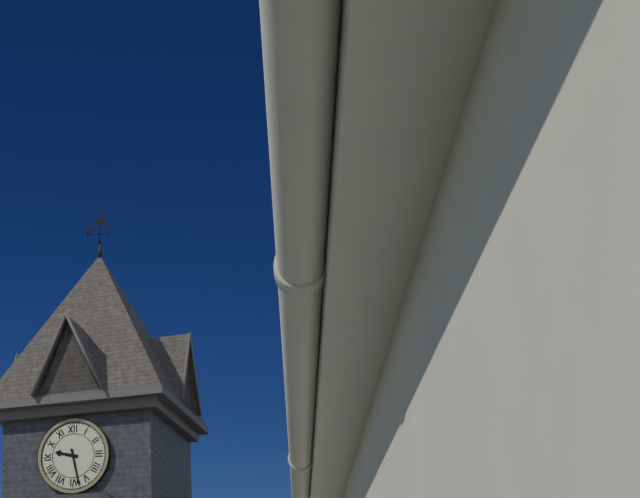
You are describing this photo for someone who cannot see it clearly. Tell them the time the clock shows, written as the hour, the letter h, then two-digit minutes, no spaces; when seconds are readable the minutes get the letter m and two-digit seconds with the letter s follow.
9h28
